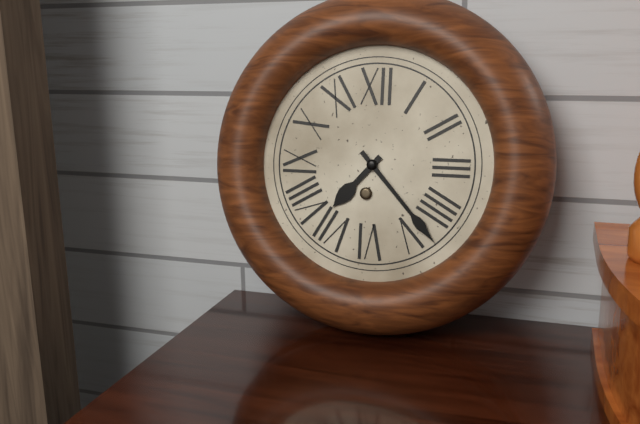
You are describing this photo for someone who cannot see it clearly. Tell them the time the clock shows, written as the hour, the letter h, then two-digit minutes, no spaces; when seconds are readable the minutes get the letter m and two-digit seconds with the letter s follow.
7h23
